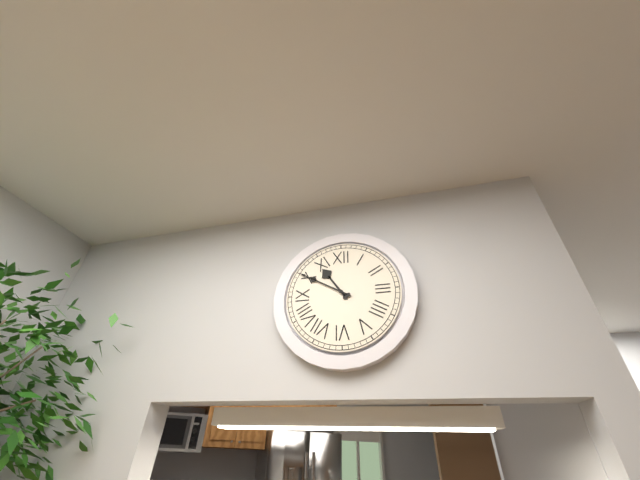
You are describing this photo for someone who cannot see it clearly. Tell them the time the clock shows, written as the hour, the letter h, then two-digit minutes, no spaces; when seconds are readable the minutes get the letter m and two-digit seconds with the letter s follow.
10h50
